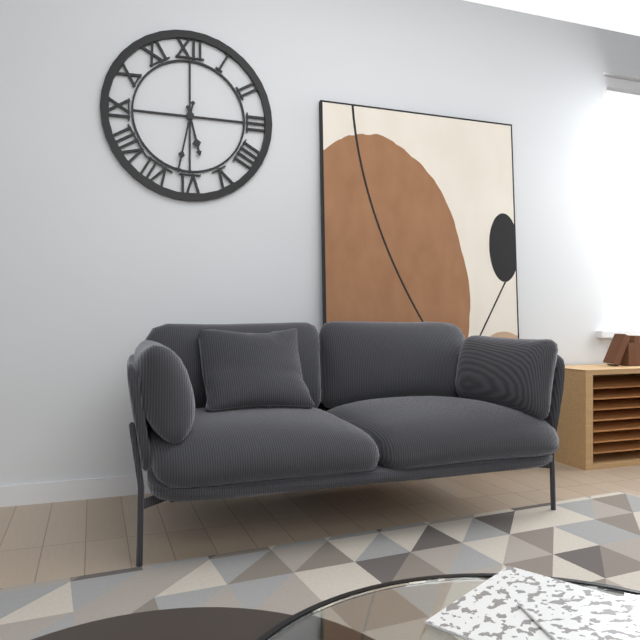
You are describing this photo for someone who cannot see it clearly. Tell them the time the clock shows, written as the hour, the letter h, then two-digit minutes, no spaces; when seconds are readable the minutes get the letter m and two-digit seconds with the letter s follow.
5h32
